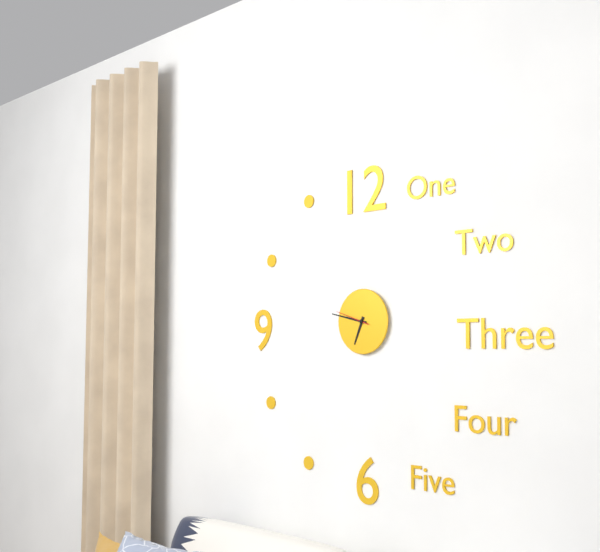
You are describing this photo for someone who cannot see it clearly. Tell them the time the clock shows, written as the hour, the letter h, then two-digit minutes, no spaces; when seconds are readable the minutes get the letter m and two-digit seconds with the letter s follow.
6h47
